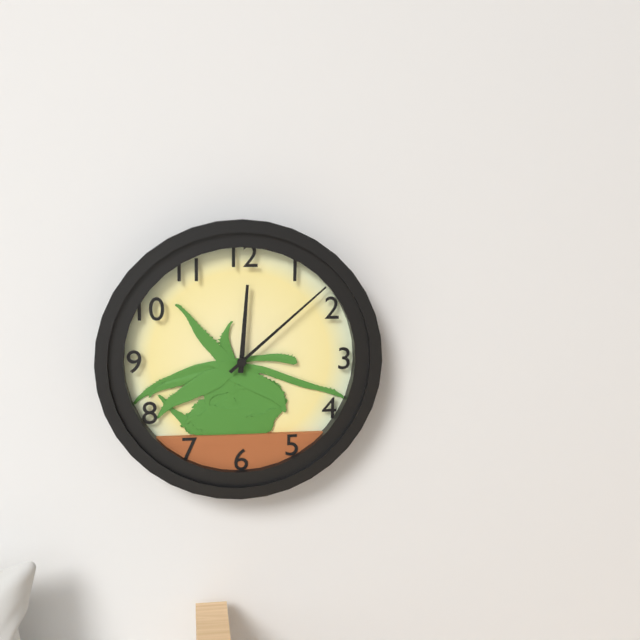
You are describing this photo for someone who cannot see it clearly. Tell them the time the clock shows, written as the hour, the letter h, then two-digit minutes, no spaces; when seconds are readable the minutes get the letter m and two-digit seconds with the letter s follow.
12h08
